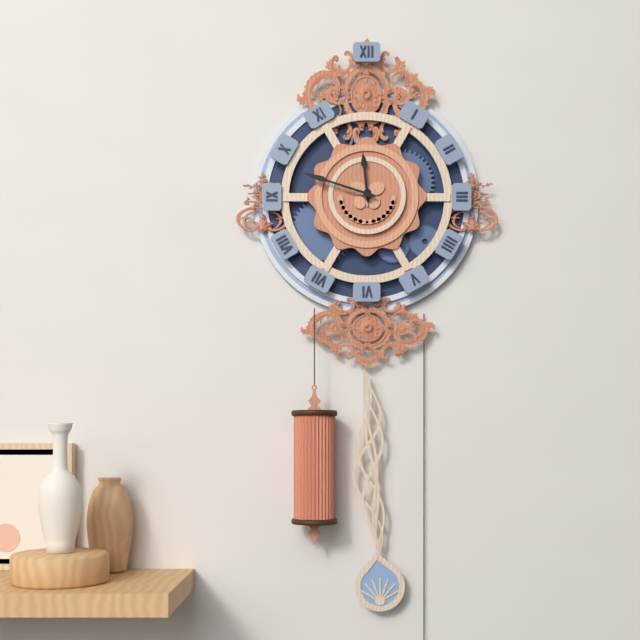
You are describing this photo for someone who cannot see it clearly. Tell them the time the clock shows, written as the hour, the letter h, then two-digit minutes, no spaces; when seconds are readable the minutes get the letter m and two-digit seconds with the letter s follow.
11h48
